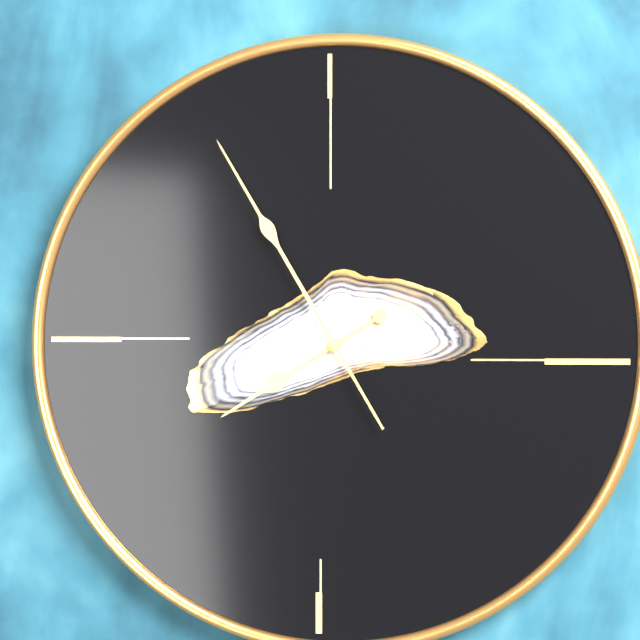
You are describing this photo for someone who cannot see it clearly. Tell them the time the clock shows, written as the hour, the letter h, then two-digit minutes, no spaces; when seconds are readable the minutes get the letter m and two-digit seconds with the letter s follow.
7h55
